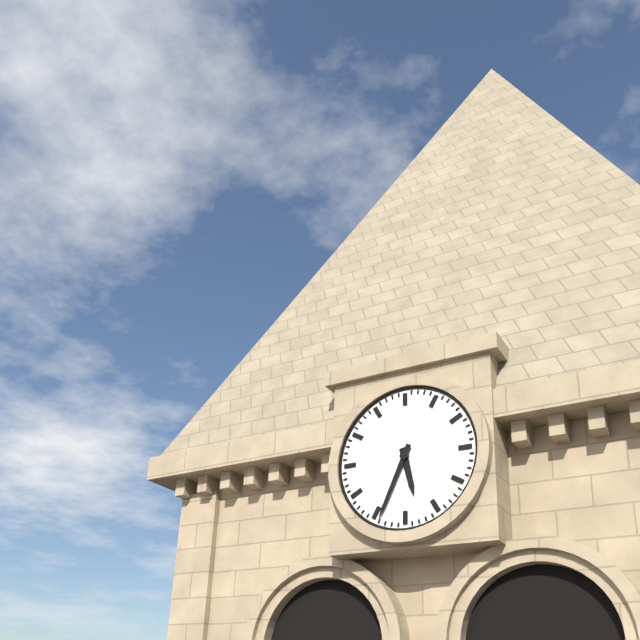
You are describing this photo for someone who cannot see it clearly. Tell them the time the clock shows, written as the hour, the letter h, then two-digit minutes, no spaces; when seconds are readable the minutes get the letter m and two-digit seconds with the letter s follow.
5h34
